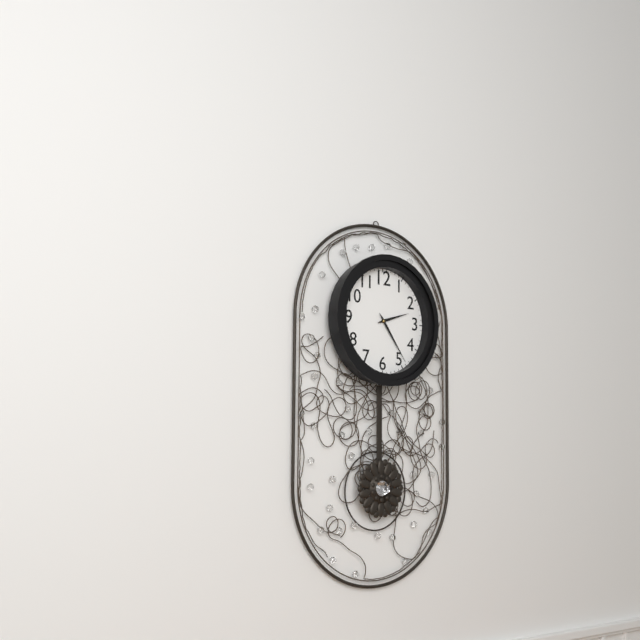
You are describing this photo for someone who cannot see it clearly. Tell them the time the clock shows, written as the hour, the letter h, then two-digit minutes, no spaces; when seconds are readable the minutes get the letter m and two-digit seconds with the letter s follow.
2h24
